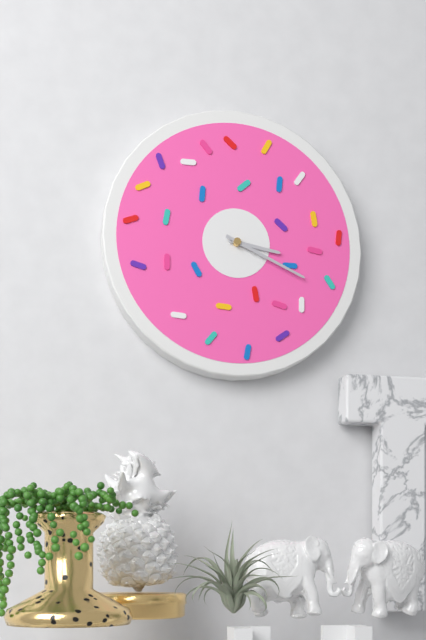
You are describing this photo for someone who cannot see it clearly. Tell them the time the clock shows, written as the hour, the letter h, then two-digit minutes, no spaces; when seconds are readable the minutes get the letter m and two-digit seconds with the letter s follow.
3h19
